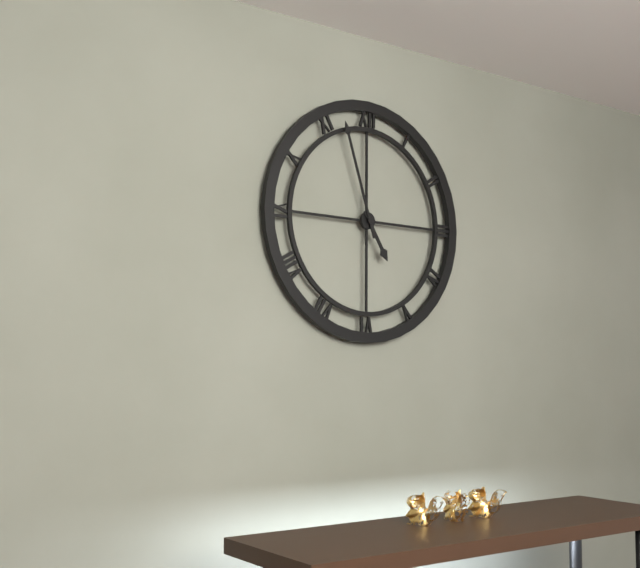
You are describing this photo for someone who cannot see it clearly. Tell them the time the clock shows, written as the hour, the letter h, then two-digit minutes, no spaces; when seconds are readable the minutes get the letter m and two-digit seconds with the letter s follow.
4h57
